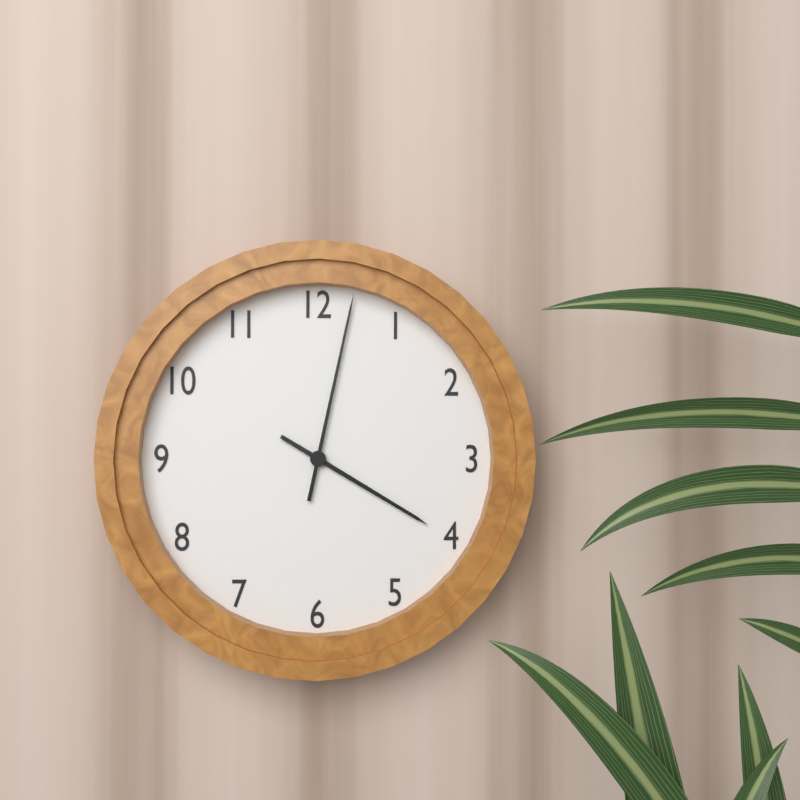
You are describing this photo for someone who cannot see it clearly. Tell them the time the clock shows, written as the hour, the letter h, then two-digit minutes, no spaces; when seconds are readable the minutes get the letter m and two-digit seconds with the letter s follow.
4h02
